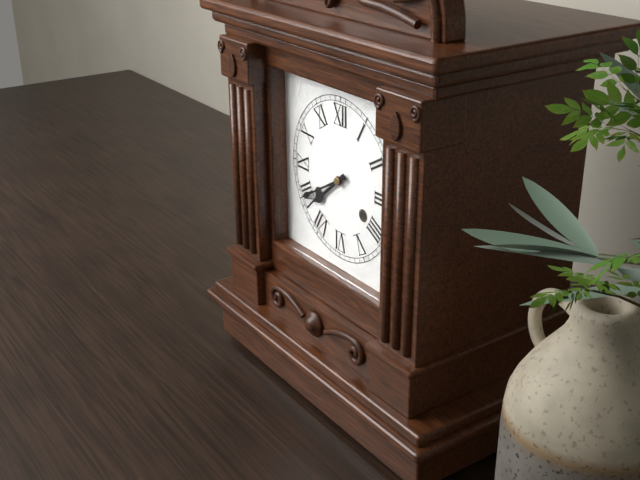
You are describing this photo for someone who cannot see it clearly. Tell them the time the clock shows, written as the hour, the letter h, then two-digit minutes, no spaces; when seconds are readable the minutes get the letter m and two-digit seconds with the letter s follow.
7h40
